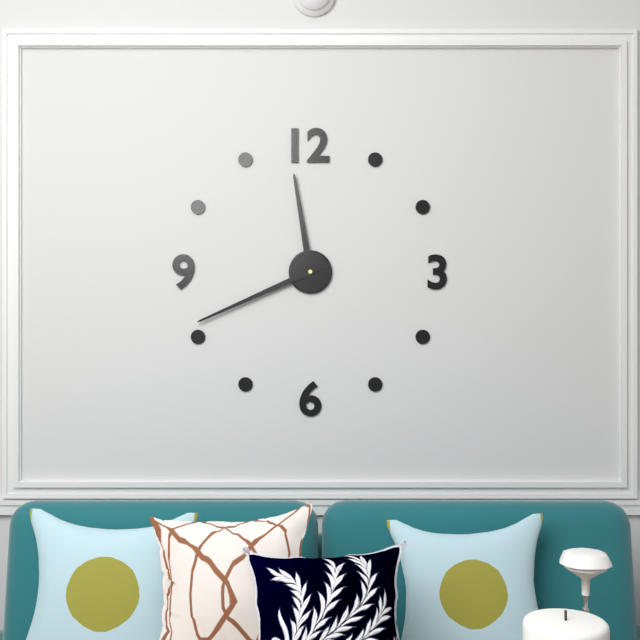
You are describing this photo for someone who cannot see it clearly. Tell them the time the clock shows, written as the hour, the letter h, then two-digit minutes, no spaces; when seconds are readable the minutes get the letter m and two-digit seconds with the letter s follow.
11h41
